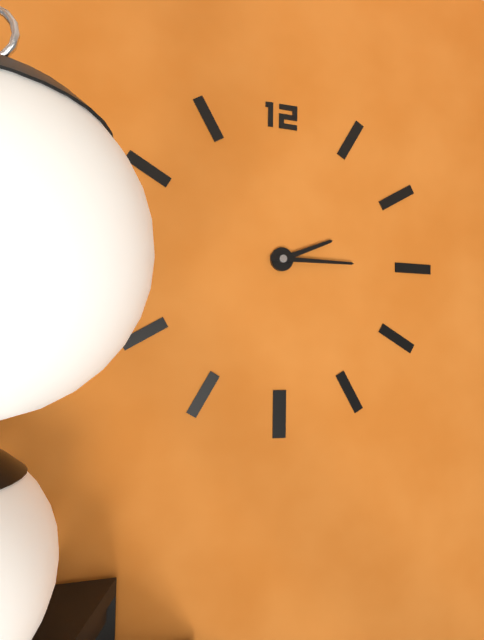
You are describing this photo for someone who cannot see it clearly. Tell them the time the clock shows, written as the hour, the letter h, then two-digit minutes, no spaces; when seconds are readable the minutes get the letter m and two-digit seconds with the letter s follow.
2h15
